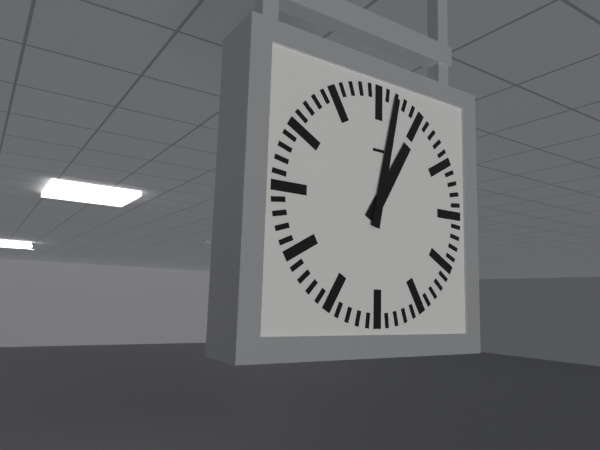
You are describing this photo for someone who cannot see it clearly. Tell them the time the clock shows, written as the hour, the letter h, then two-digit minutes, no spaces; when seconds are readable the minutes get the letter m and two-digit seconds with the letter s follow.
1h02
